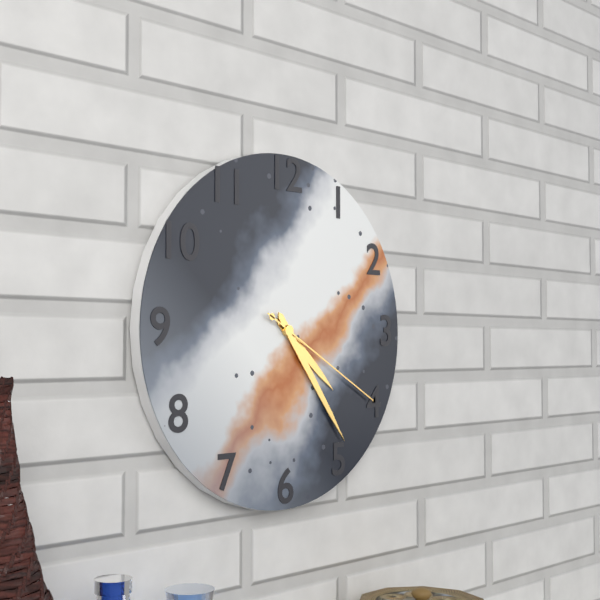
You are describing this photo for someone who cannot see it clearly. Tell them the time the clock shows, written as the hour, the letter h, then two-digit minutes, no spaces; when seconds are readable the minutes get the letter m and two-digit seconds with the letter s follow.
4h24m20s
